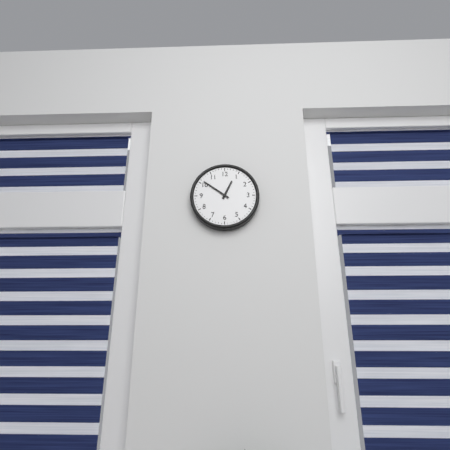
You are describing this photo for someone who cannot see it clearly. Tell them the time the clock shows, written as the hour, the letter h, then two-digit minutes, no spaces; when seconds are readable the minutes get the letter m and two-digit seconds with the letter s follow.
12h51
